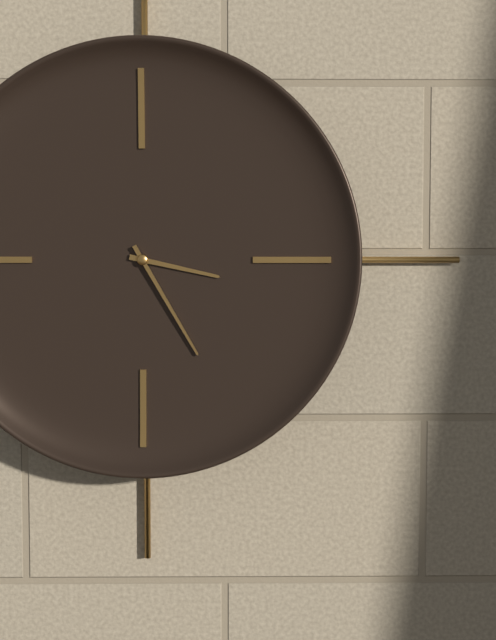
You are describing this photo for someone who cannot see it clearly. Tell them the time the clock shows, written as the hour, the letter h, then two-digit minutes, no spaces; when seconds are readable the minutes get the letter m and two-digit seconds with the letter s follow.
3h25
